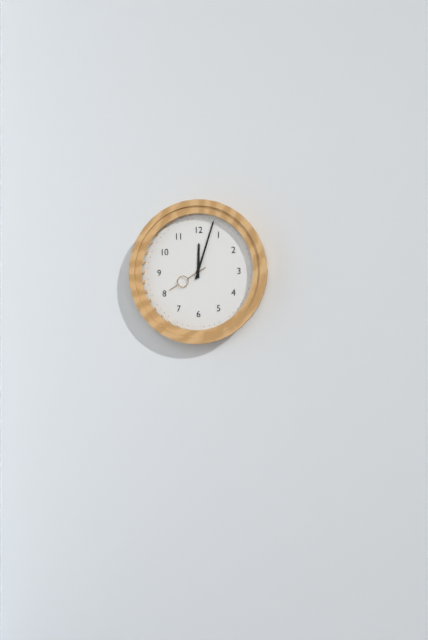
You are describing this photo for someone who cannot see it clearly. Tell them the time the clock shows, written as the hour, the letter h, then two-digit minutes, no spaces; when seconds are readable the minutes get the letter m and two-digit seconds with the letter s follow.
12h03
